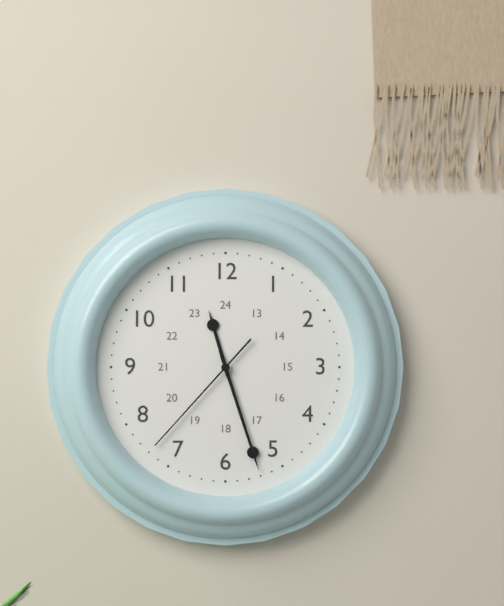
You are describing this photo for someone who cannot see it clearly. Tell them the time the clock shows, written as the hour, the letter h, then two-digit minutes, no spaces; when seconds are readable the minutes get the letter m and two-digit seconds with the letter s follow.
11h27m37s
